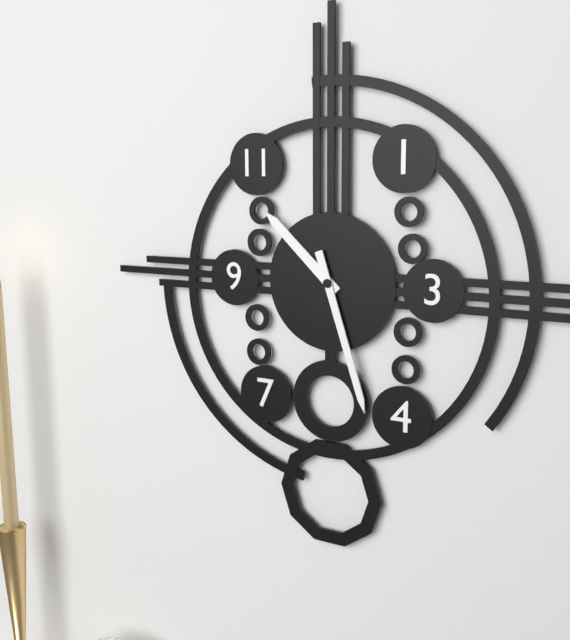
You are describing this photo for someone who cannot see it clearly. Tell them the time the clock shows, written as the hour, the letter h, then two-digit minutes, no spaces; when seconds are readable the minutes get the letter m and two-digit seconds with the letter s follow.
10h27
